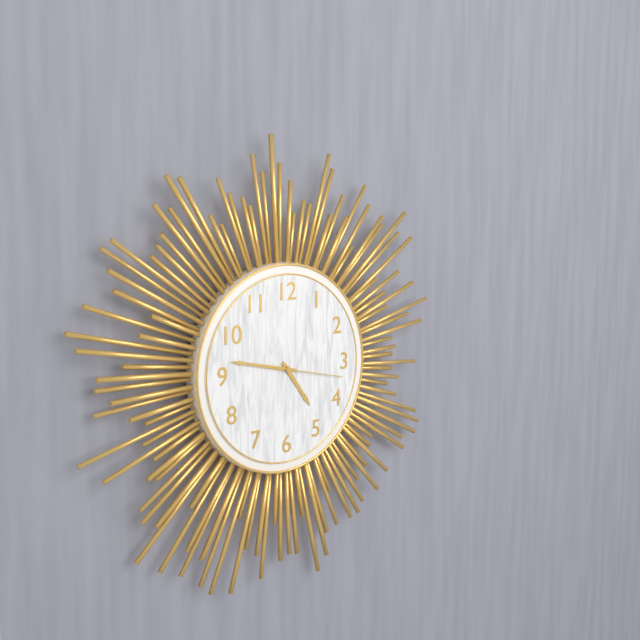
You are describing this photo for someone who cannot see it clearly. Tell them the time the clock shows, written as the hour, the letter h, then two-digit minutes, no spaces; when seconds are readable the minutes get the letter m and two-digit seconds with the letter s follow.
4h47m17s
